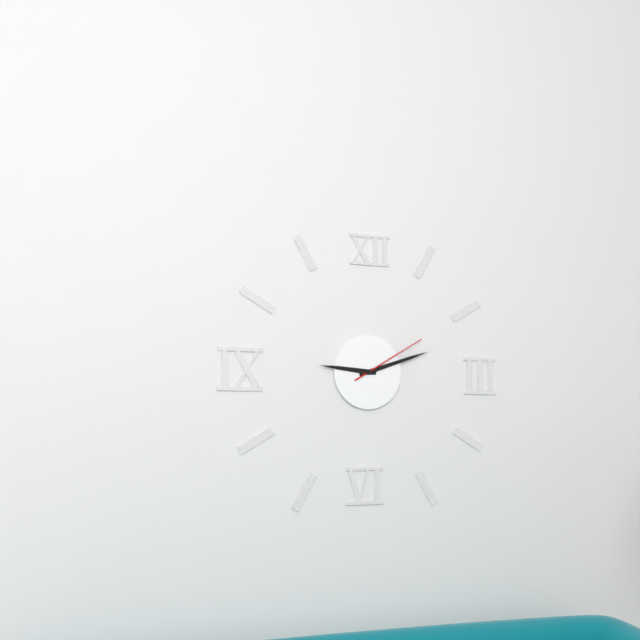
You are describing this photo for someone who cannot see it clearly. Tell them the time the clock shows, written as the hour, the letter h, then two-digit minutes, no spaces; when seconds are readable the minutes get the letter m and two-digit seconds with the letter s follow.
9h12m10s
